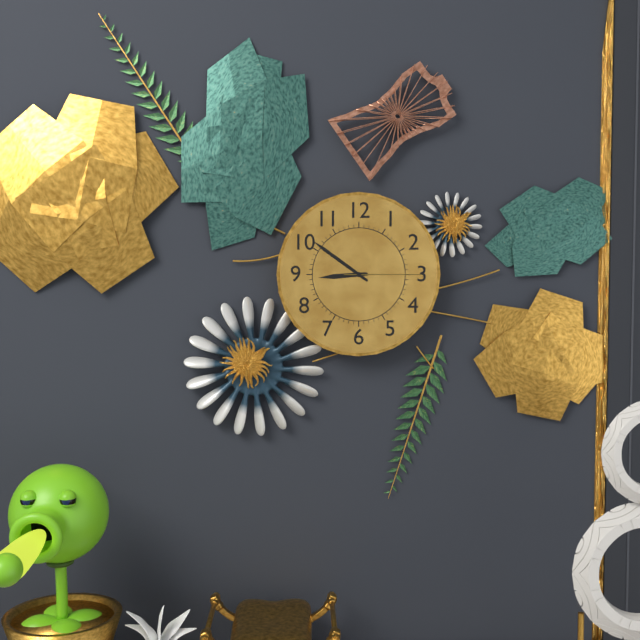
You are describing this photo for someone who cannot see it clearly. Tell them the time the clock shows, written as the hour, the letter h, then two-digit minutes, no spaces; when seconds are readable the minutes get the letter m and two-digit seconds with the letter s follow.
8h51m15s
